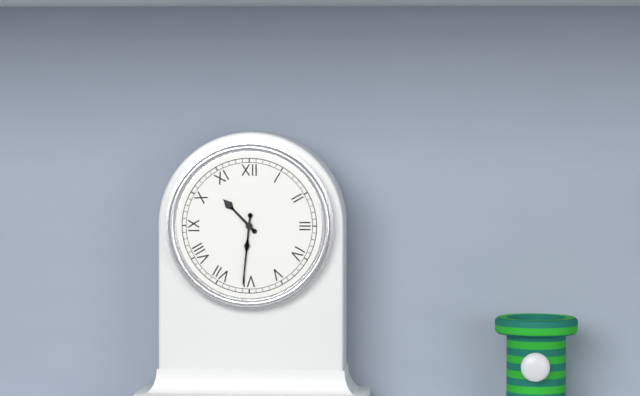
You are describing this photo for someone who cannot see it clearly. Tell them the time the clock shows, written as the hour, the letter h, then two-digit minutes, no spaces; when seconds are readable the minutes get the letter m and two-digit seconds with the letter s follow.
10h31
